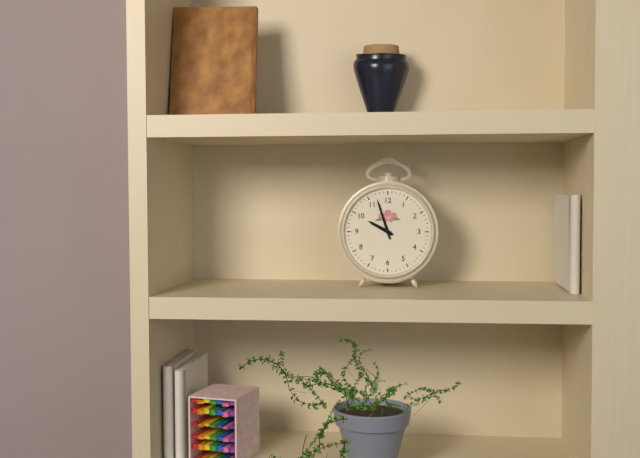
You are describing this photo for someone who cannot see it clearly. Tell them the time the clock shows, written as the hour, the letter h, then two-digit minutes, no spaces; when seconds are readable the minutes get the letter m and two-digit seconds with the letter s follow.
9h57
